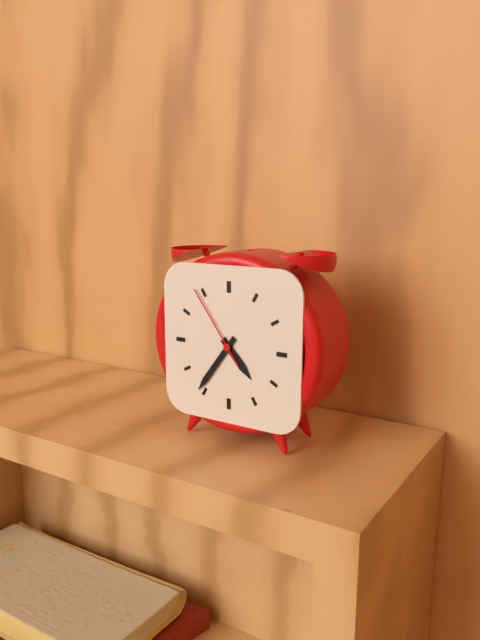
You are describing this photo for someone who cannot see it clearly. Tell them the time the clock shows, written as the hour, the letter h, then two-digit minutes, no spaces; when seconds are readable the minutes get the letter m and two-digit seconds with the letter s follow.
4h36m54s
